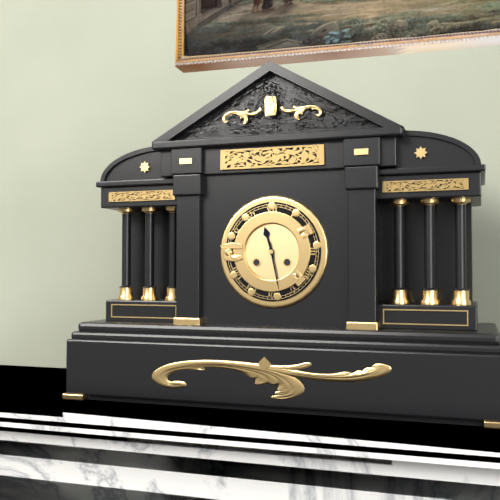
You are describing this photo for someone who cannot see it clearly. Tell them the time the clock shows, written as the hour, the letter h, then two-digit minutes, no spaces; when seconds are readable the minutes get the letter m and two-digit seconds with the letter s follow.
11h28
